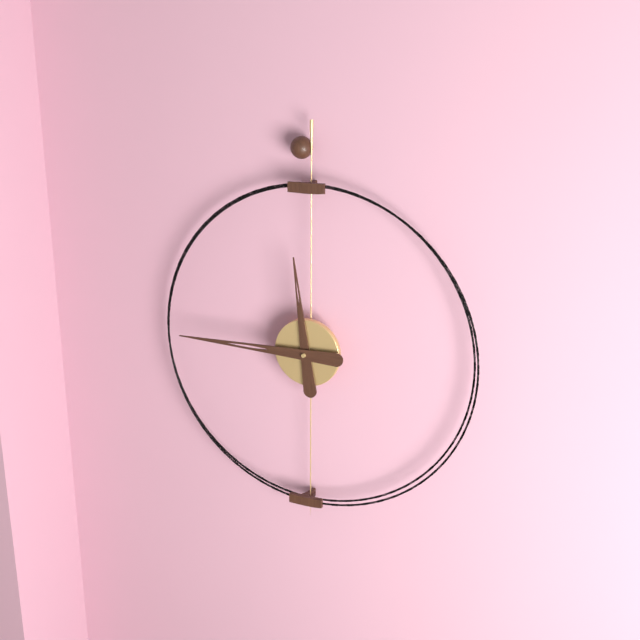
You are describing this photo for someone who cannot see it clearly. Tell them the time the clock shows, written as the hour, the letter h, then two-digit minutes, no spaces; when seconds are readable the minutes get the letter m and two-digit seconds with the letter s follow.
11h45
